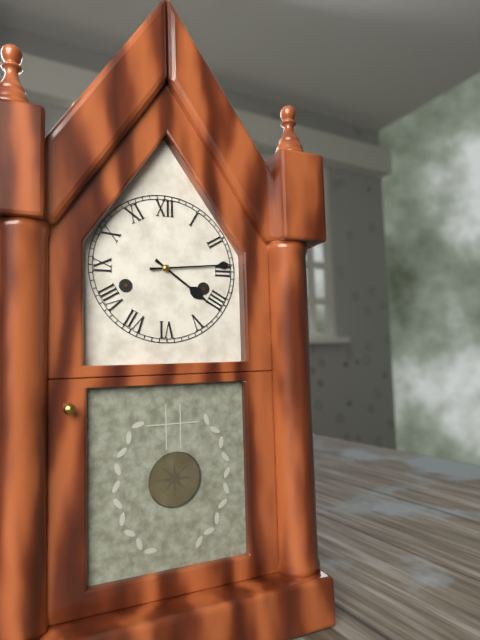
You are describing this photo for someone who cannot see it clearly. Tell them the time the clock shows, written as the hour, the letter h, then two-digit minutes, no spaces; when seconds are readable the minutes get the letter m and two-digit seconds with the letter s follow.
4h14
